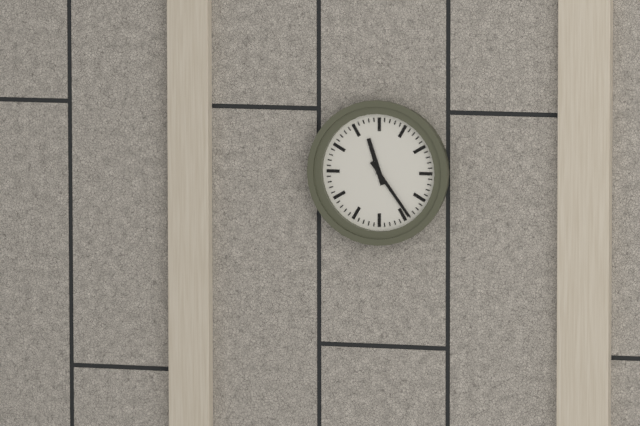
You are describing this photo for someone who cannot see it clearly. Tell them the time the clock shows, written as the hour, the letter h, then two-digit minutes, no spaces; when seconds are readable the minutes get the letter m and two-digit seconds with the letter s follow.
11h24
